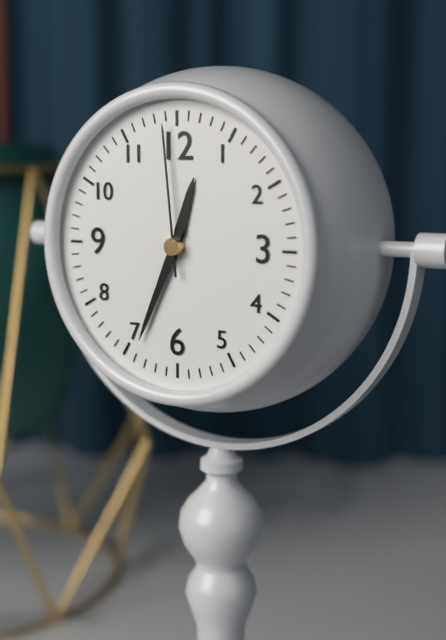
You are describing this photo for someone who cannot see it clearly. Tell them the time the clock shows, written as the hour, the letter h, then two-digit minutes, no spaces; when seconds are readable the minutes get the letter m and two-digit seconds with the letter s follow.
12h34m59s
